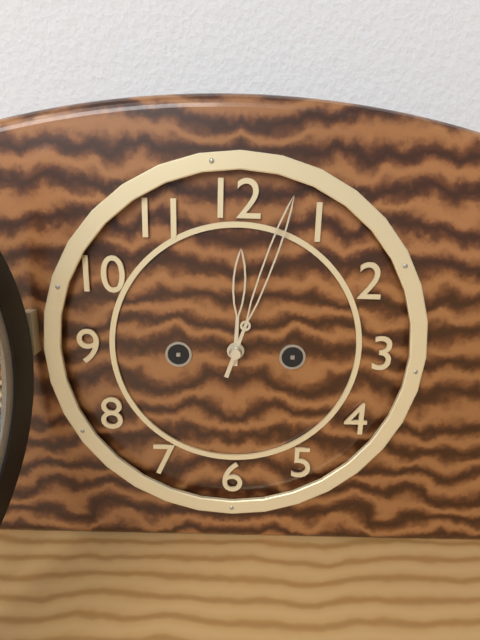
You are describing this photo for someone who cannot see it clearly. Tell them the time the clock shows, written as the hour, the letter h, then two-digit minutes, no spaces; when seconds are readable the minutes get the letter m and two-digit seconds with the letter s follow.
12h03
